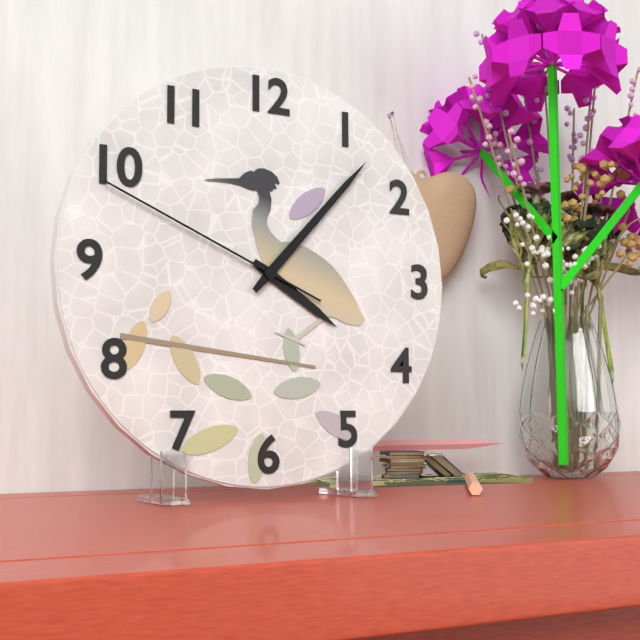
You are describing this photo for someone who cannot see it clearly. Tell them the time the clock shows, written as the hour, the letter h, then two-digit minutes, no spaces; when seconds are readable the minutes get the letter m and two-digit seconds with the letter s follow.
4h07m49s
